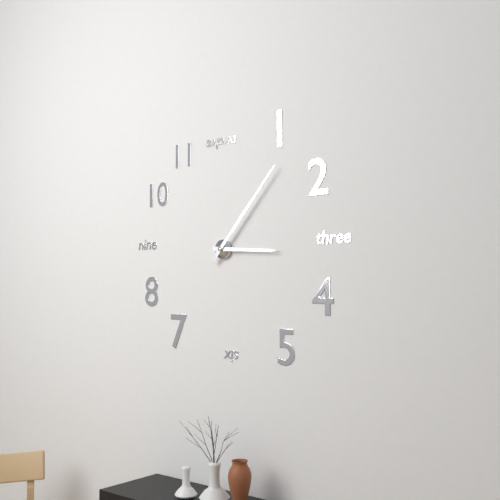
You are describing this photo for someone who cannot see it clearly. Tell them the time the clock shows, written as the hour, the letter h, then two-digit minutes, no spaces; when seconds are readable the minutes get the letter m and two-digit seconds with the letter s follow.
3h07
